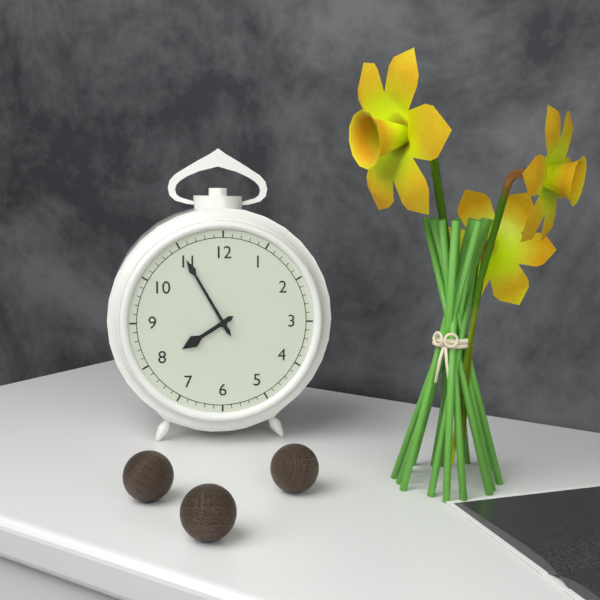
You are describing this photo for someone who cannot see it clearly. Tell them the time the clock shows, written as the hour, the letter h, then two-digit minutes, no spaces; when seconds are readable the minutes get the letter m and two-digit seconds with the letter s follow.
7h55
